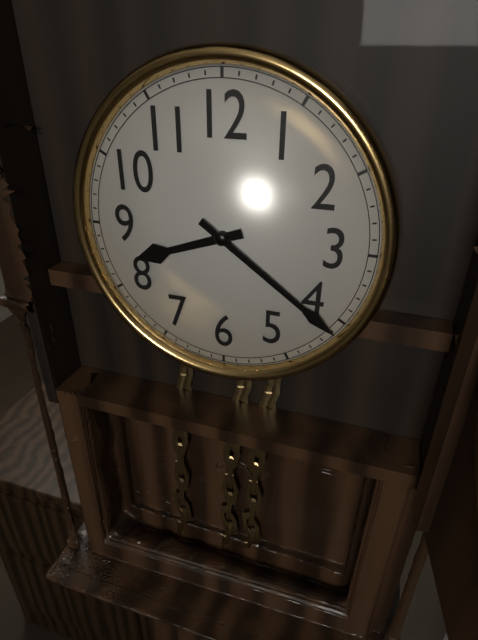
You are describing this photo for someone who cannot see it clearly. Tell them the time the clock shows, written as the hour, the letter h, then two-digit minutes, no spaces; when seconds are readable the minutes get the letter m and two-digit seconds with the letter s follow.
8h21
